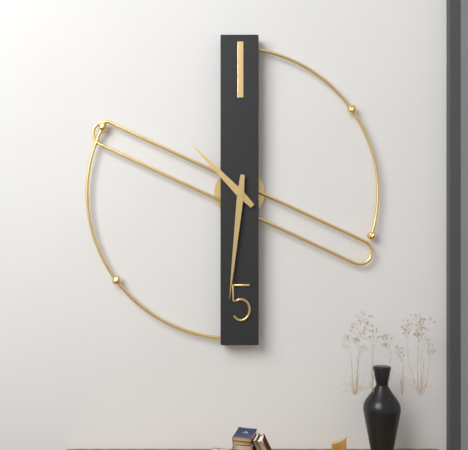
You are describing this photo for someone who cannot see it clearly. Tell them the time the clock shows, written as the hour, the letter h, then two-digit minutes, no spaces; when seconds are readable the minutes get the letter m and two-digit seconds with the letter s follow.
10h31
